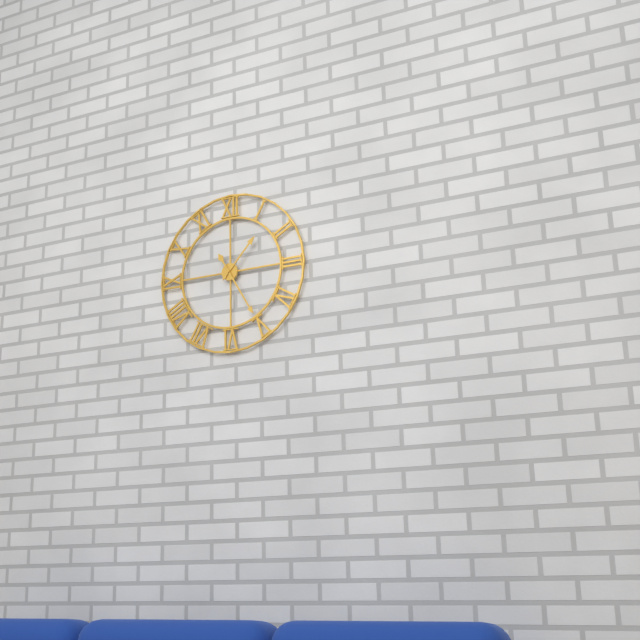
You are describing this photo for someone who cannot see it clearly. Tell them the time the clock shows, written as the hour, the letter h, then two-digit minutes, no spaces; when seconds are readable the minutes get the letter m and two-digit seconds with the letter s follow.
1h25
